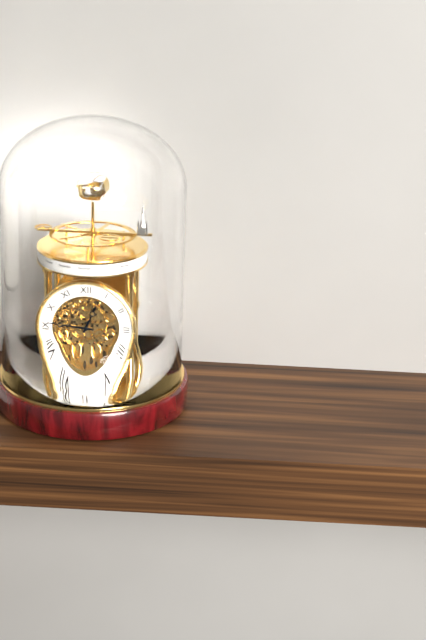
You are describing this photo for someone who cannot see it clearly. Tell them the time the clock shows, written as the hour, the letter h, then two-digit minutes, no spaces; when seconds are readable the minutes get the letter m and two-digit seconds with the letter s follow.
12h46
